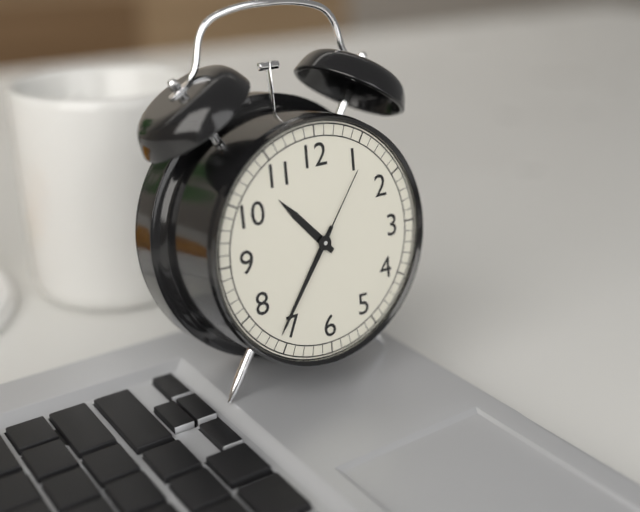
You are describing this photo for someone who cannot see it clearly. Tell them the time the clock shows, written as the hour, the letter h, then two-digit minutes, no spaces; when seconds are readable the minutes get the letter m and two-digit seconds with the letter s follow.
10h36m06s
